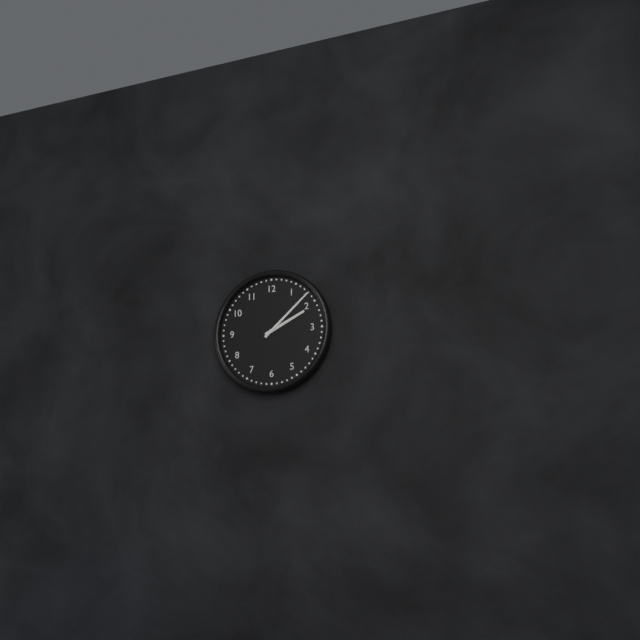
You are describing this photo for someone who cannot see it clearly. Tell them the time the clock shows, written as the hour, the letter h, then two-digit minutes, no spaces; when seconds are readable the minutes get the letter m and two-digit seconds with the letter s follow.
2h08
